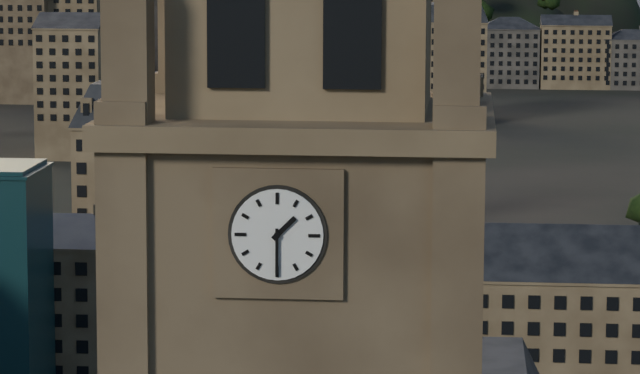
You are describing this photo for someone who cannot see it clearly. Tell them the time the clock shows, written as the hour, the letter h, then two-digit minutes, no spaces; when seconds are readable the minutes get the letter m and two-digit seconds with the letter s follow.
1h30
